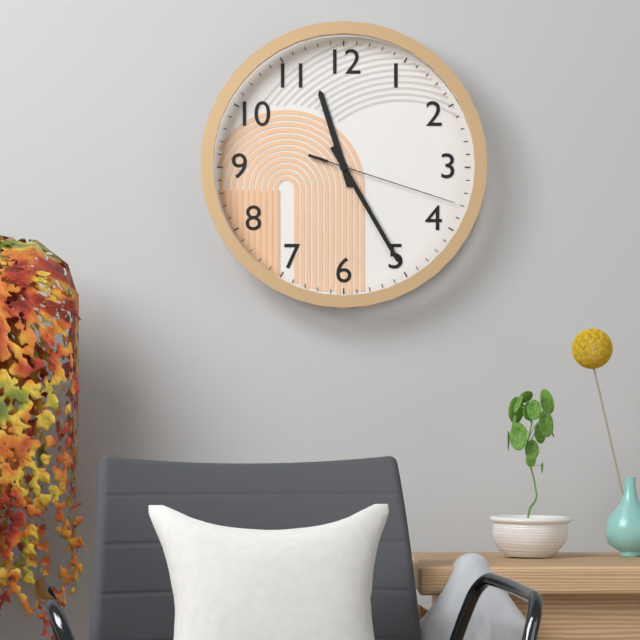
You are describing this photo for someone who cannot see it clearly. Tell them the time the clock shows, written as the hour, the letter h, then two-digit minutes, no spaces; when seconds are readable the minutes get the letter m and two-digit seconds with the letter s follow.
11h25m18s
